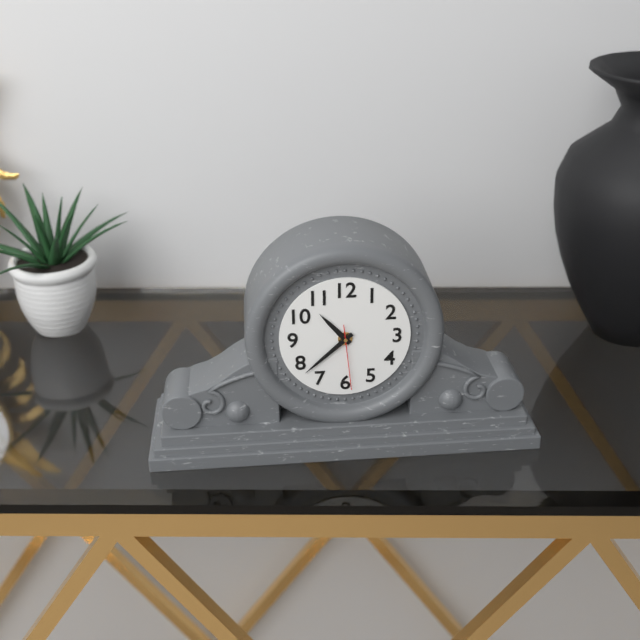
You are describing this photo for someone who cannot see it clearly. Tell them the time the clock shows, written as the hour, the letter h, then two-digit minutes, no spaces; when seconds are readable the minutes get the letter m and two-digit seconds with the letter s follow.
10h38m29s
